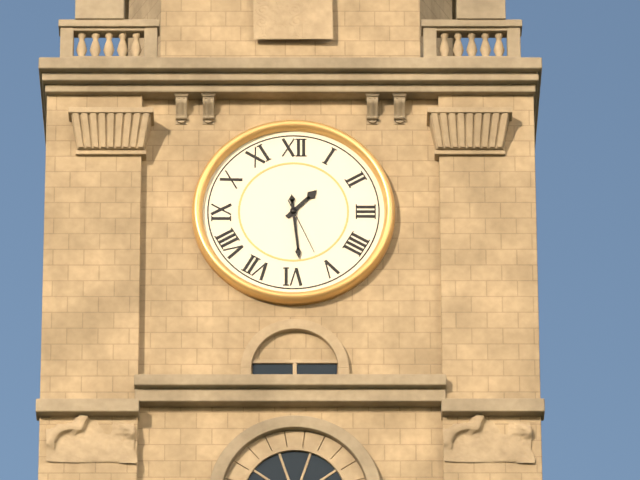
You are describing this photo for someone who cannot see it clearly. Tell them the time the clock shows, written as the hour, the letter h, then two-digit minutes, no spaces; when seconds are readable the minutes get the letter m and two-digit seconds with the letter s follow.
1h29m26s
